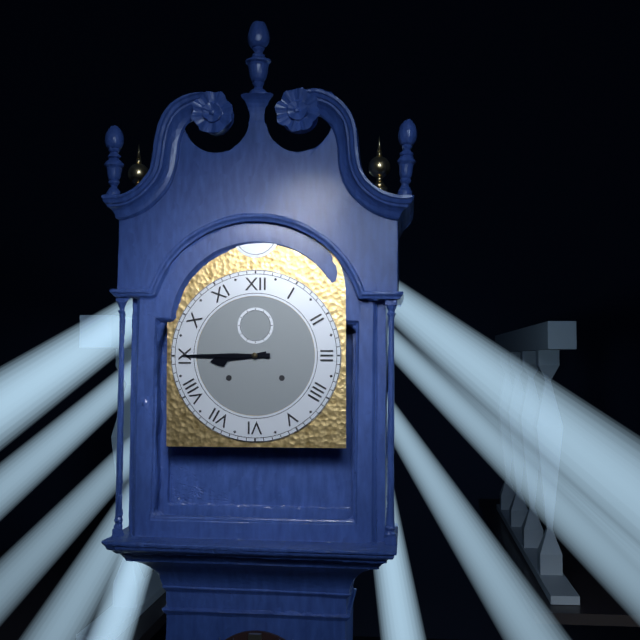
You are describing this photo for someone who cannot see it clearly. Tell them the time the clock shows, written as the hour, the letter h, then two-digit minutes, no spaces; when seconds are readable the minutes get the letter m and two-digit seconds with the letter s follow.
8h45
